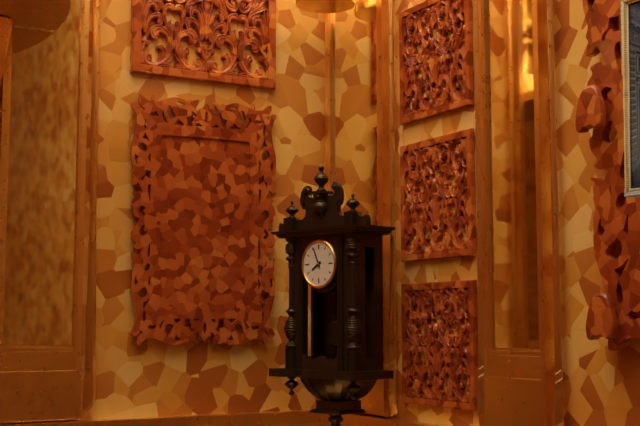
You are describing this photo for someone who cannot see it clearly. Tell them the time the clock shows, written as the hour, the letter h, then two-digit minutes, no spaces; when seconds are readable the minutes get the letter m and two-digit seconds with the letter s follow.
7h56
